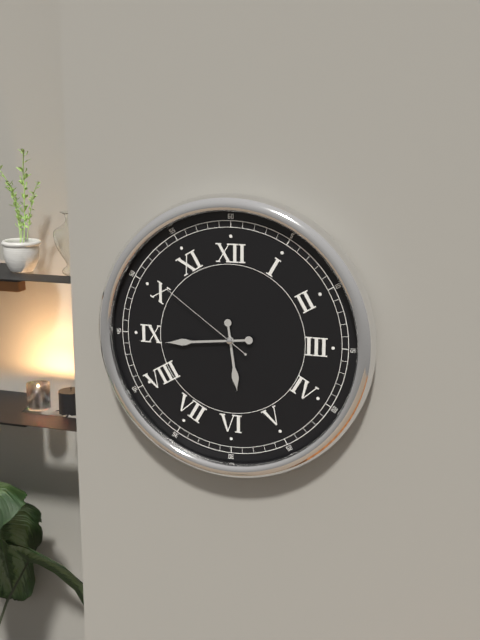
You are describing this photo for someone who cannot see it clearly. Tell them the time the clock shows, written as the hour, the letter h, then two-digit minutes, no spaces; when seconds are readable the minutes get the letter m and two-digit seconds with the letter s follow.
5h44m51s
